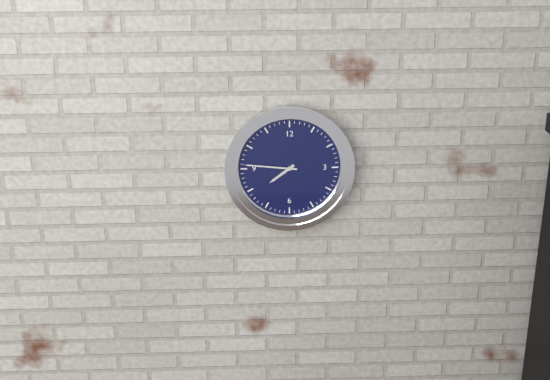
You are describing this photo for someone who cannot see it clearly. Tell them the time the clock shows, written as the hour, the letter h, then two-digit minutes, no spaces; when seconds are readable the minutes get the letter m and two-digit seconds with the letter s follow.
7h46
